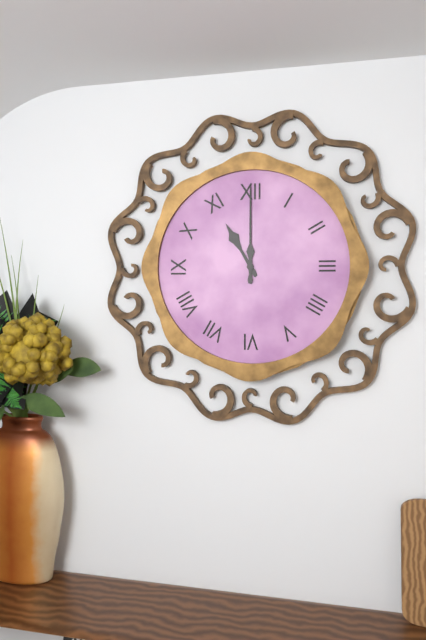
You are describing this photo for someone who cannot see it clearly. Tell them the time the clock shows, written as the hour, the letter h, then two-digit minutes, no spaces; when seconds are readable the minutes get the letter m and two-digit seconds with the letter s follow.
11h00
